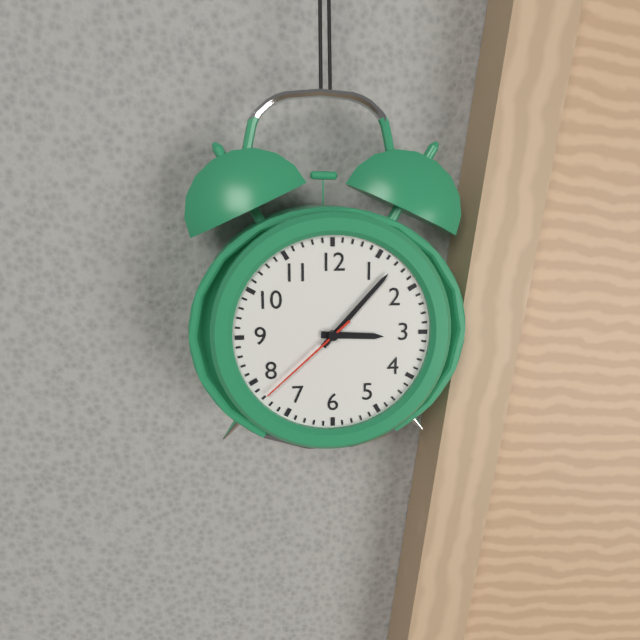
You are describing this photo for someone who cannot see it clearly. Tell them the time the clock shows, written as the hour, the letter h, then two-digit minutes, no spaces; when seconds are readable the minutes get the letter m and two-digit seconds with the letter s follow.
3h07m38s
